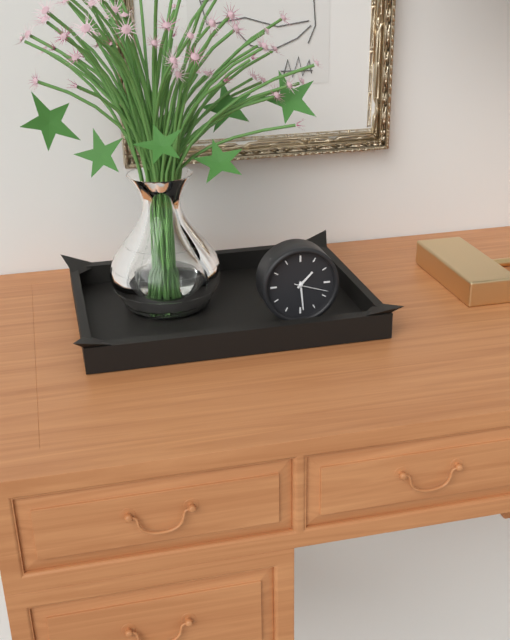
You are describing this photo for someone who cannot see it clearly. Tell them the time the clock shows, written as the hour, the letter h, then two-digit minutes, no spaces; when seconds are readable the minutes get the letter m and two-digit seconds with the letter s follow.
1h29
